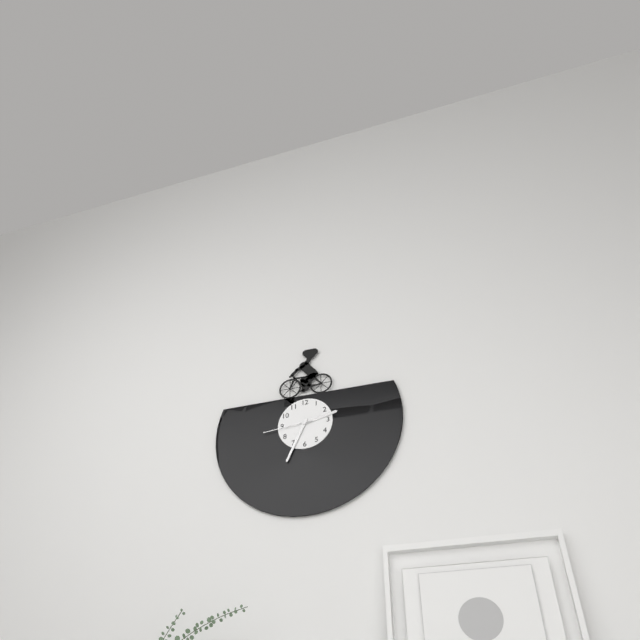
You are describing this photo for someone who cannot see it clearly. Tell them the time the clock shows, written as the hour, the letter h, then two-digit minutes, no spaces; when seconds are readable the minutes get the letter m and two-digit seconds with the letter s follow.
2h34m44s
